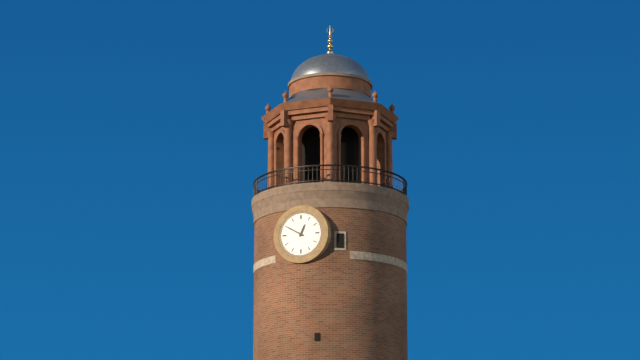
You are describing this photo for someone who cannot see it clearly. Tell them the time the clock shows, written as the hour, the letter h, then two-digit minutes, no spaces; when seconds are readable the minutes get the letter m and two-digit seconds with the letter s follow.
12h50
